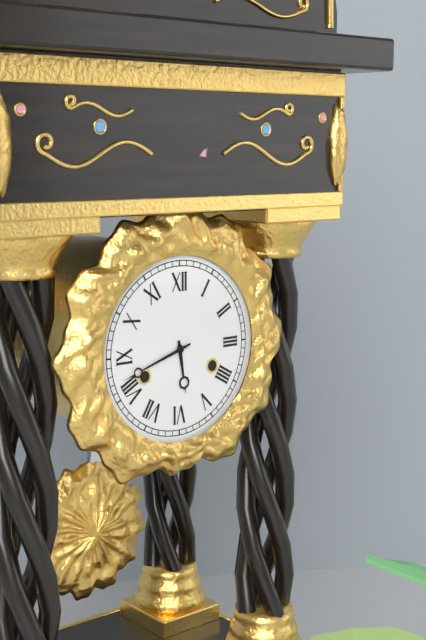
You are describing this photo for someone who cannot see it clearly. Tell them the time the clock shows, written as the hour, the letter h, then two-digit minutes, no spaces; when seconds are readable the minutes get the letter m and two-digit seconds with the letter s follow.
5h42
